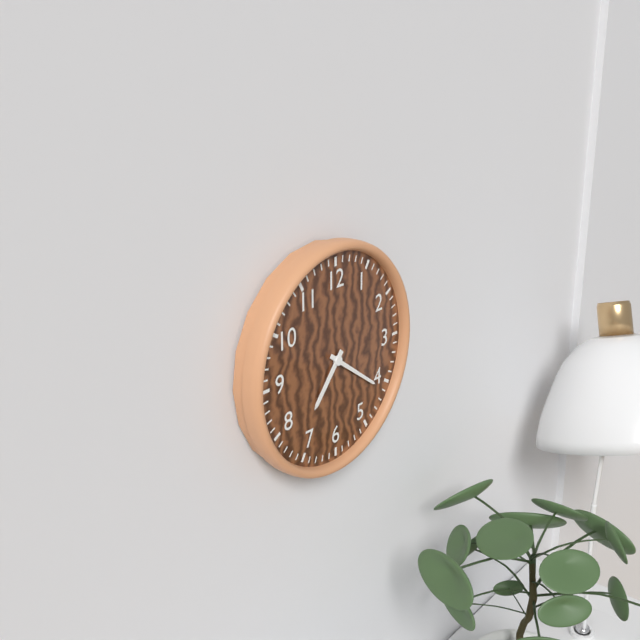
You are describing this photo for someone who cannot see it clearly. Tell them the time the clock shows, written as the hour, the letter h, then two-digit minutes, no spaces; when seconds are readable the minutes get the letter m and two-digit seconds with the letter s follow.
7h21
